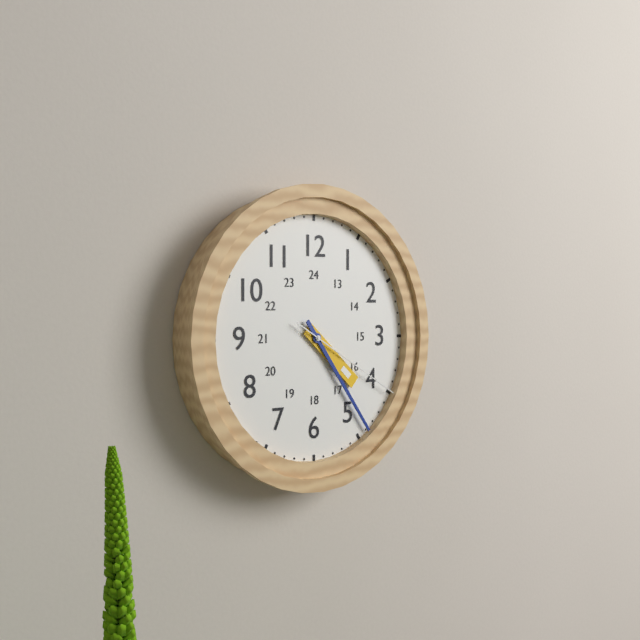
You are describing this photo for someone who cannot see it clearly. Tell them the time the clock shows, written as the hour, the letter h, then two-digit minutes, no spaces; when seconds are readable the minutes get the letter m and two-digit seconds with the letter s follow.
4h24m20s
